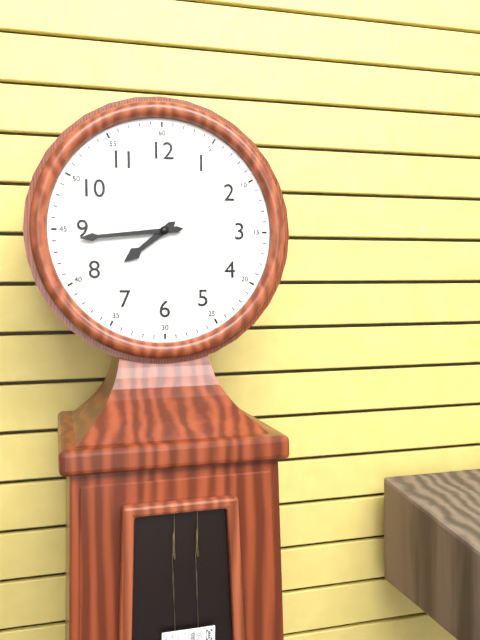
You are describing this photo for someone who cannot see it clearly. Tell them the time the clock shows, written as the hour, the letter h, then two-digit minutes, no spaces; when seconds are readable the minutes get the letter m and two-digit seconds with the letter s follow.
7h44
